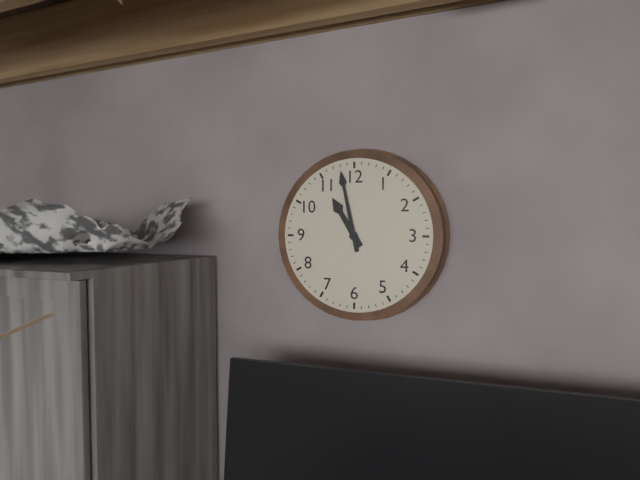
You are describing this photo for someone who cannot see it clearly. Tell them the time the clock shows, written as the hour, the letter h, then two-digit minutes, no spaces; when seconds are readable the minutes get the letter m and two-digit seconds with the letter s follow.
10h58
